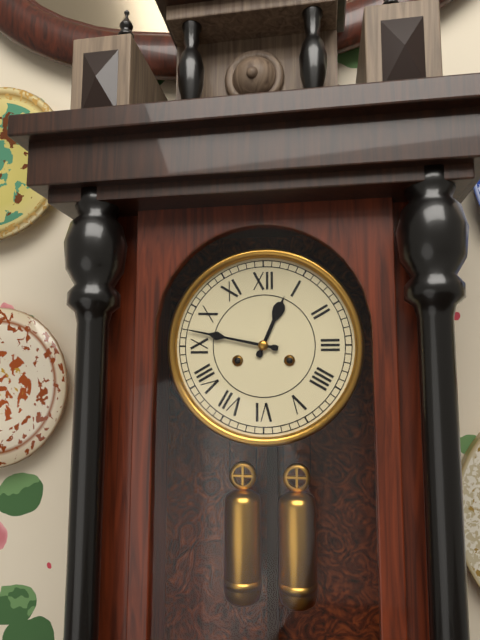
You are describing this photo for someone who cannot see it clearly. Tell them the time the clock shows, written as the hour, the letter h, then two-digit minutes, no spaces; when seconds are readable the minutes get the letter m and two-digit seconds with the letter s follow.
12h47
